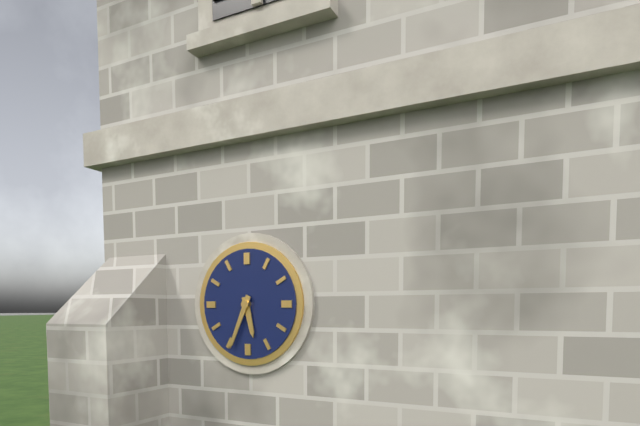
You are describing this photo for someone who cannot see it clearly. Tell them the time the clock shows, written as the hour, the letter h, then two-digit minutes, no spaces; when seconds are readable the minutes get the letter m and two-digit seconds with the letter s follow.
5h34
